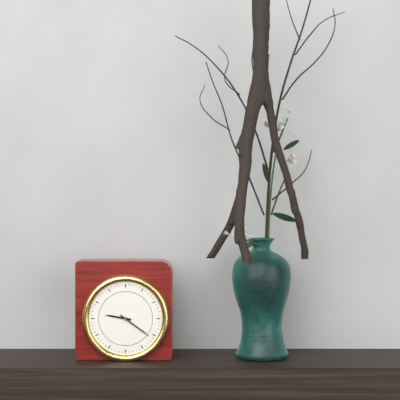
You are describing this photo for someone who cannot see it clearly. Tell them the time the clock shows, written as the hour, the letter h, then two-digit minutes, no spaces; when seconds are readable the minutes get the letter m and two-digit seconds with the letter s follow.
9h21
